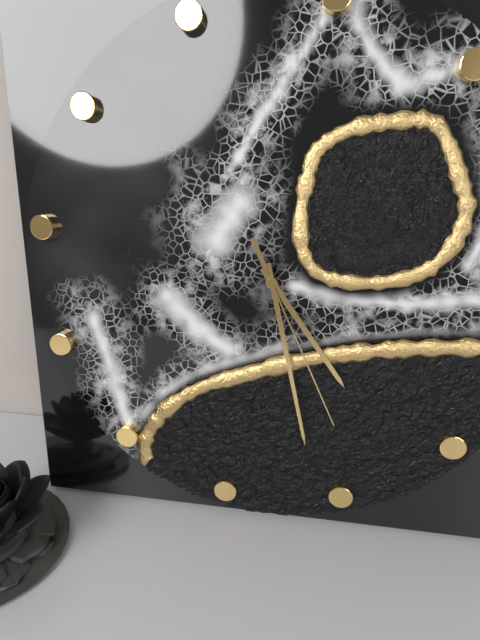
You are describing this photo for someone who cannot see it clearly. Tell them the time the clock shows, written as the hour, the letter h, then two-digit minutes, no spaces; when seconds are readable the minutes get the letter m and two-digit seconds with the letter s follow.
4h26m24s
